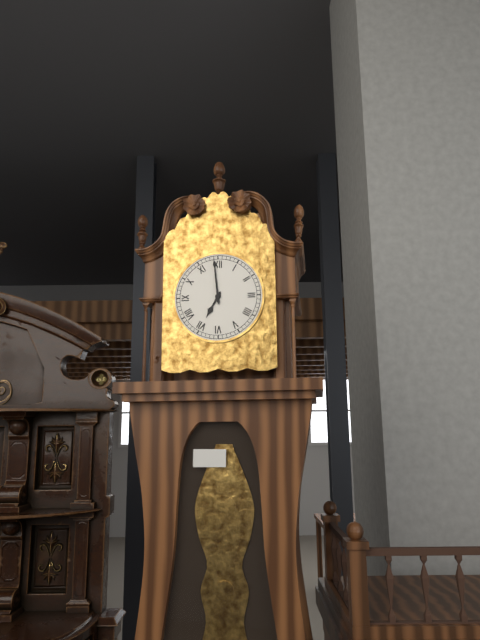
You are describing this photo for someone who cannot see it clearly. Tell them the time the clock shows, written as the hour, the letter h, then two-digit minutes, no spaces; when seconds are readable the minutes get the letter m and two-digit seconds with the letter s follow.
6h59
